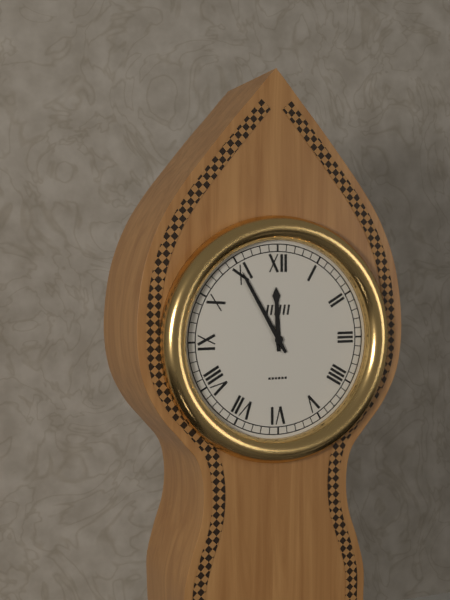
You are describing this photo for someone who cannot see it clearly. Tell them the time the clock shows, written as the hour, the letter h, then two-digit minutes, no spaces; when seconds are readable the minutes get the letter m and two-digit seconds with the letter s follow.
11h55
